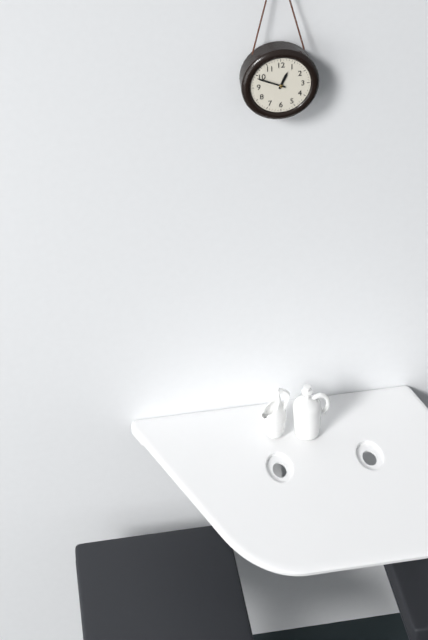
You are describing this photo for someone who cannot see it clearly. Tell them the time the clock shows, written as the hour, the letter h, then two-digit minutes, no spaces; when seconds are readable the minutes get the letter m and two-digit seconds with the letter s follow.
12h49
